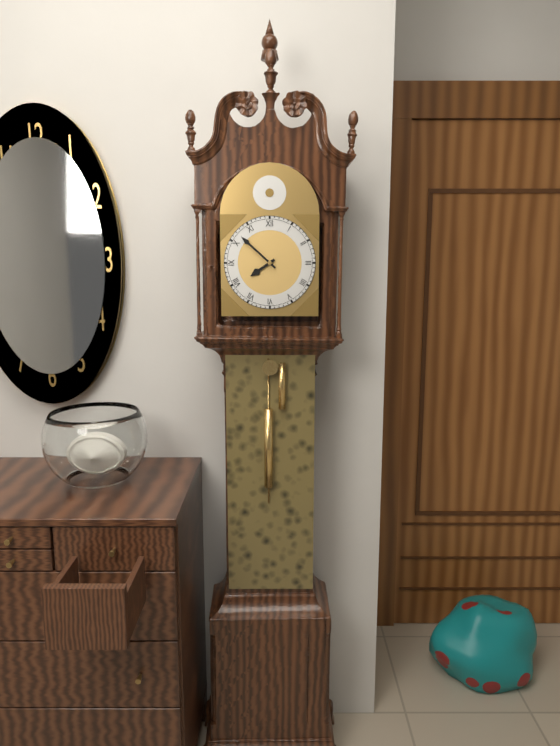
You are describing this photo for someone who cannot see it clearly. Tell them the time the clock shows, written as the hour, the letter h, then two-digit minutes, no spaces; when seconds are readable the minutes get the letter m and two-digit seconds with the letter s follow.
7h52
